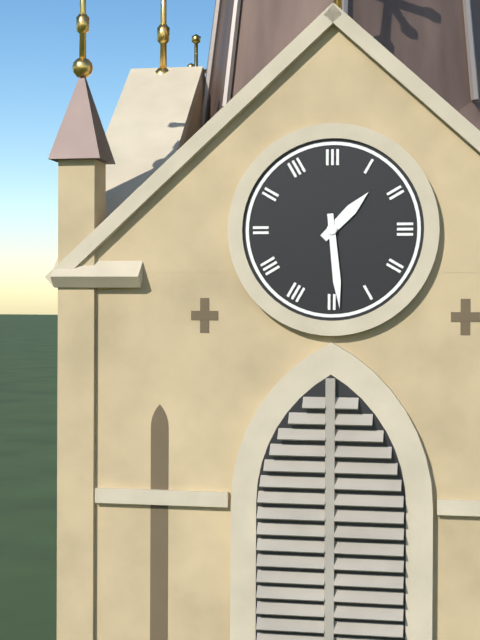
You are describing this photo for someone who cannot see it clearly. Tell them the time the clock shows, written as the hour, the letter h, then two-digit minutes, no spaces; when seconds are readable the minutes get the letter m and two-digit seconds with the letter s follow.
1h29
